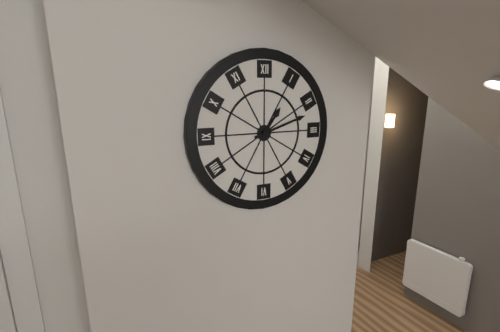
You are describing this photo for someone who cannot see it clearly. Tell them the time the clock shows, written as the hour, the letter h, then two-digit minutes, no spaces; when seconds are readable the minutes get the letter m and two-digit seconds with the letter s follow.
1h12
